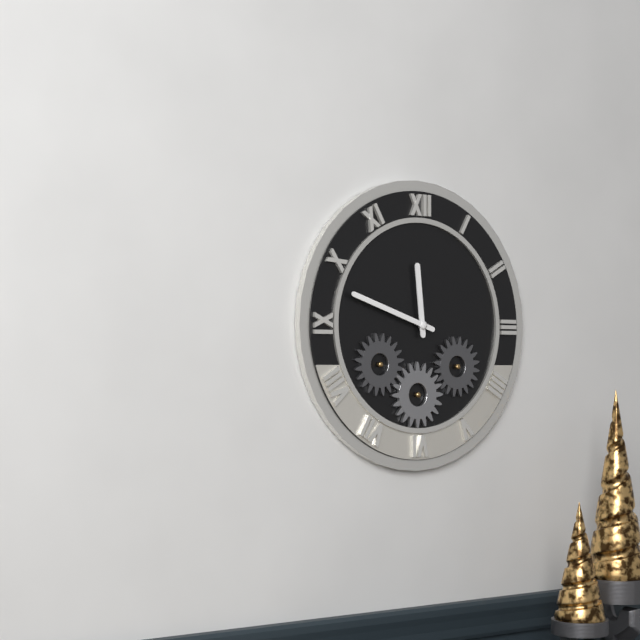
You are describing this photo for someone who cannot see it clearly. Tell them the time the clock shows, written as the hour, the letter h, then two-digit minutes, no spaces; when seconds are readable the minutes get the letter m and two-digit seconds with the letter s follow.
11h48
